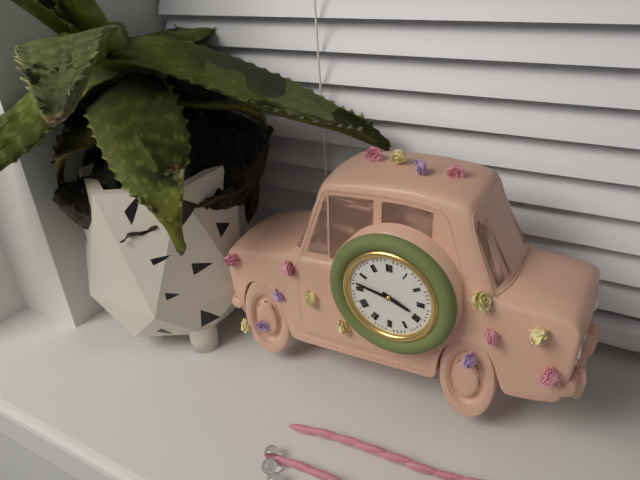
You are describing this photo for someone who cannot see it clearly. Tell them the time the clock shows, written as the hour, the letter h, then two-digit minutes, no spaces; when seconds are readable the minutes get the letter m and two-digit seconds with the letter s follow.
3h47
